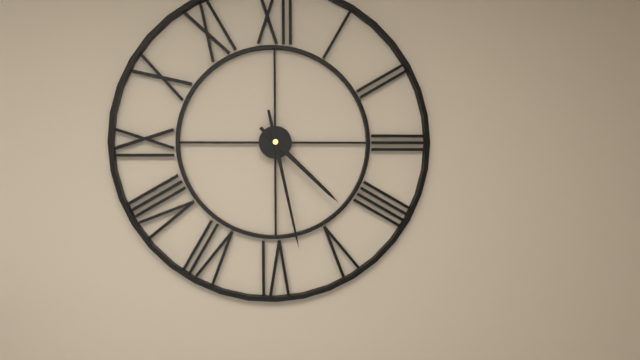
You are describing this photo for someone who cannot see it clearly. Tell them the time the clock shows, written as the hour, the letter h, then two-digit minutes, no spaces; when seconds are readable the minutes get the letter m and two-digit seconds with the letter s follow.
4h28
